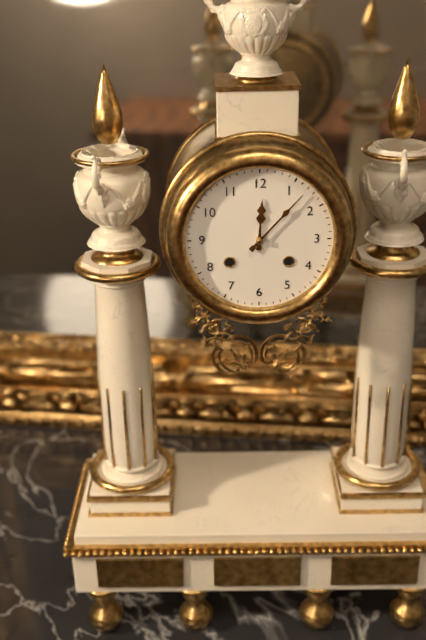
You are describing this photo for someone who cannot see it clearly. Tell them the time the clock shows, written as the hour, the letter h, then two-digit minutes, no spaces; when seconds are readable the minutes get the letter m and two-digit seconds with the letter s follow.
12h07
